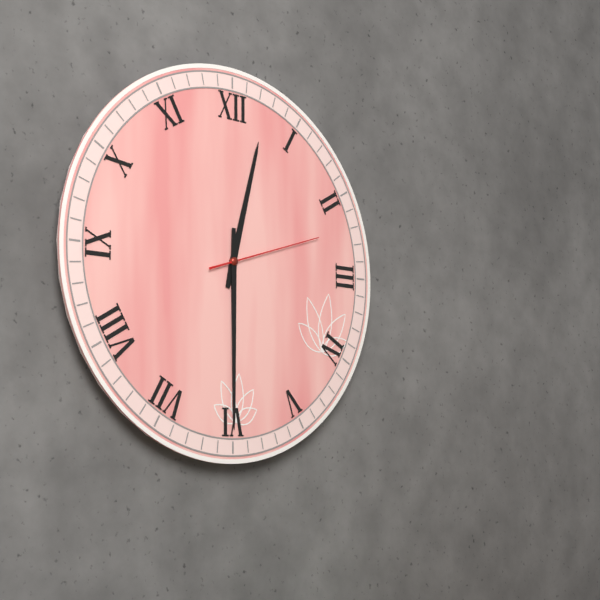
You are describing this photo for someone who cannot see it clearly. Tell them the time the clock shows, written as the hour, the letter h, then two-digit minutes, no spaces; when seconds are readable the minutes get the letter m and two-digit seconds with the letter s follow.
12h30m12s
